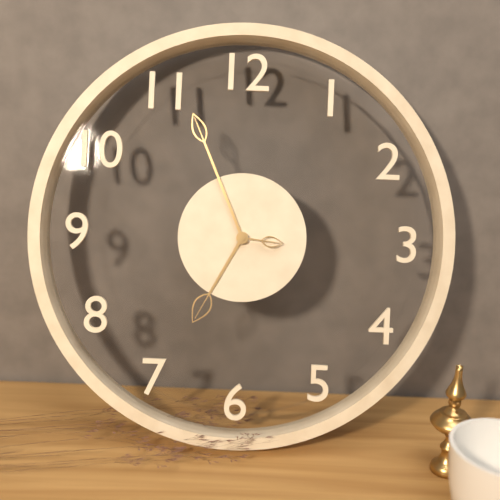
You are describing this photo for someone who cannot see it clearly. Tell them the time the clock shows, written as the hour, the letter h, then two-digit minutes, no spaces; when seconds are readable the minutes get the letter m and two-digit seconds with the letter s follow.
6h56m16s
